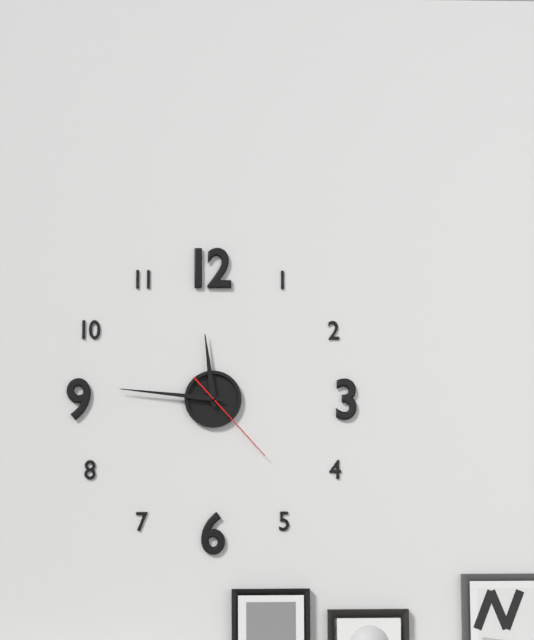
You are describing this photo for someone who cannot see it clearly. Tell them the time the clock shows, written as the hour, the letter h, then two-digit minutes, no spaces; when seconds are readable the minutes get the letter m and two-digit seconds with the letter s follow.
11h46m23s
